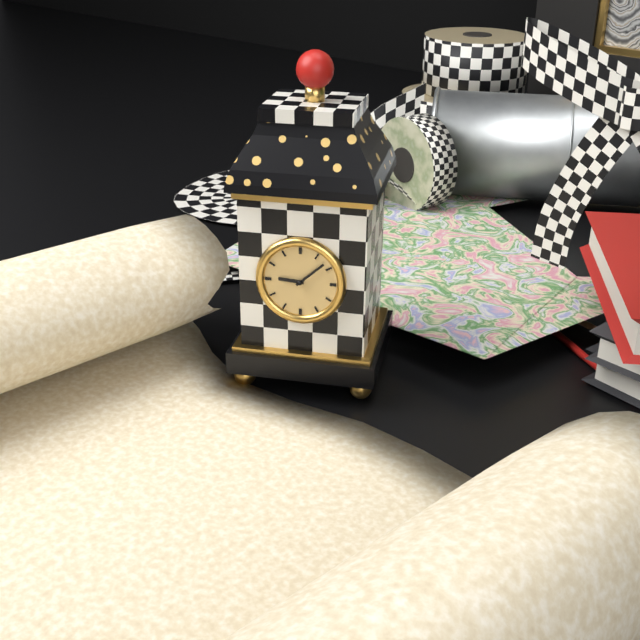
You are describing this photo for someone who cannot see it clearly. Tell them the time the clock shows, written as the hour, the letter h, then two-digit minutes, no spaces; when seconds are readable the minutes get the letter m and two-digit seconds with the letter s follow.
9h08
